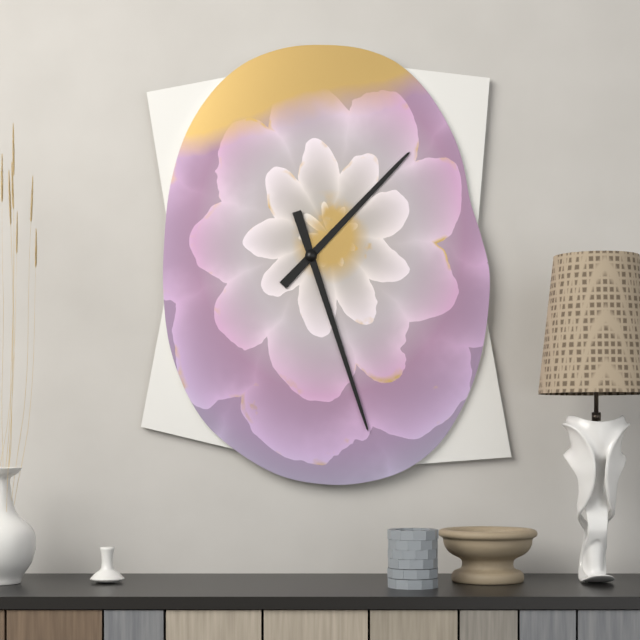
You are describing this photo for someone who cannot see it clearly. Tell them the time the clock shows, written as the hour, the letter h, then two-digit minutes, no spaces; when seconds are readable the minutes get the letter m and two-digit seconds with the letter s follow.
1h27
